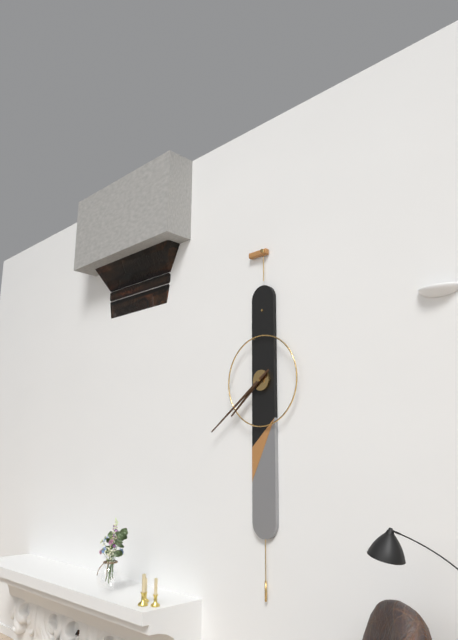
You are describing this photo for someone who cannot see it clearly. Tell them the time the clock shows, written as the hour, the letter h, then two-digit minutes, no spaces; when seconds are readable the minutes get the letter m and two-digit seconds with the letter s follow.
7h39
